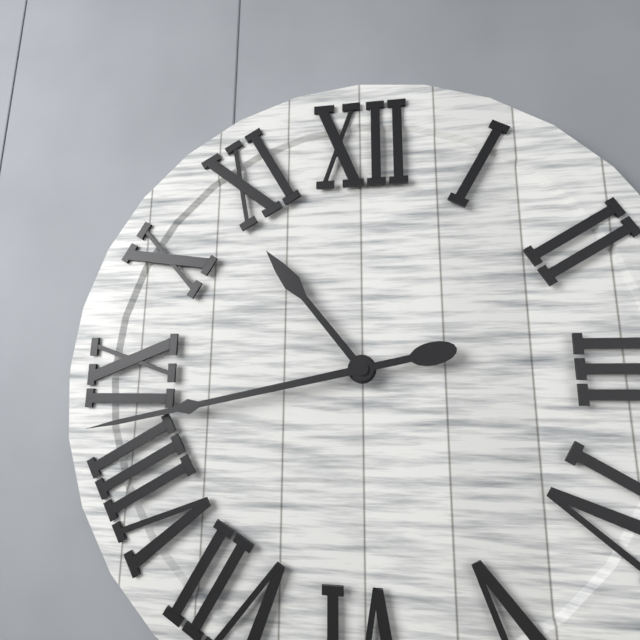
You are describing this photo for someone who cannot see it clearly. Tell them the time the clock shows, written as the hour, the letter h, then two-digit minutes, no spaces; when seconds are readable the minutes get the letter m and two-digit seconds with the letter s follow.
10h43
